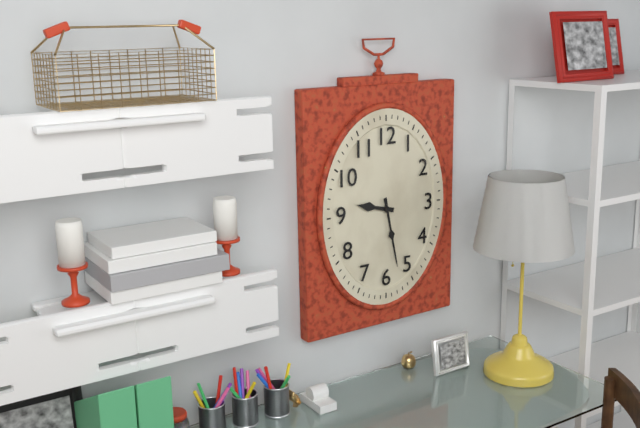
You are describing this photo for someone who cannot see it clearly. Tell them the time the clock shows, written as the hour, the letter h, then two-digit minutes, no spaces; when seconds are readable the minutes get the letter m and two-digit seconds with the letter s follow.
9h28
